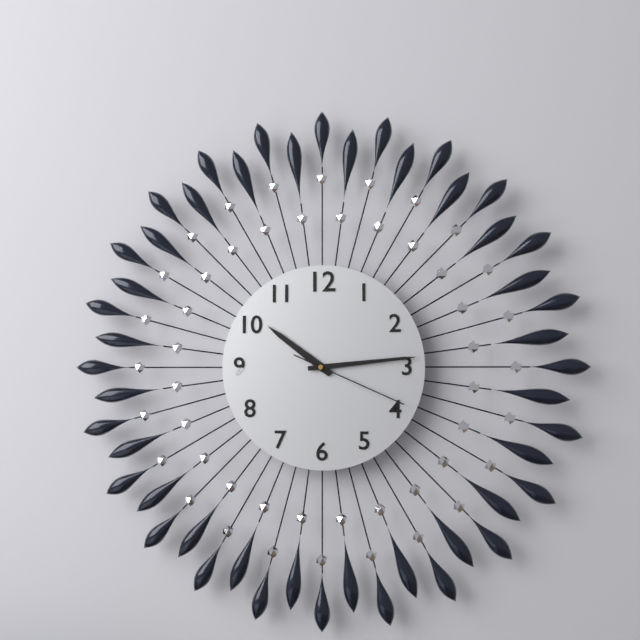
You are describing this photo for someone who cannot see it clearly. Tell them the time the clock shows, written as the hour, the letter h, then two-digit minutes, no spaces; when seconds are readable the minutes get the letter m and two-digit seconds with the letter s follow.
10h14m19s
